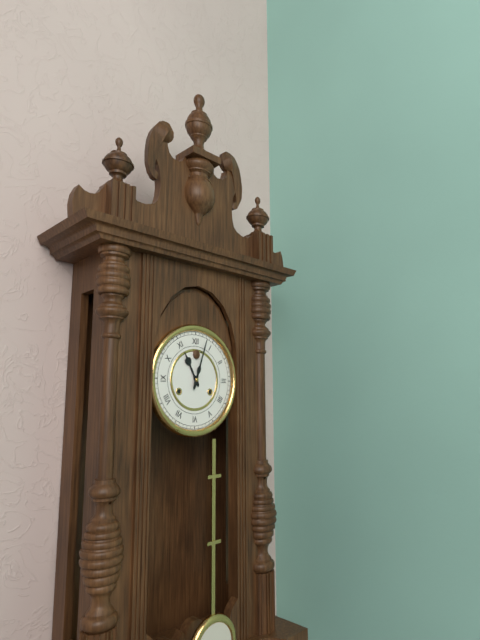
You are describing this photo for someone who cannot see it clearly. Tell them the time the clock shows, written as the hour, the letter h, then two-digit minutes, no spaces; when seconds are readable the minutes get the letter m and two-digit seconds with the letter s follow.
11h03
